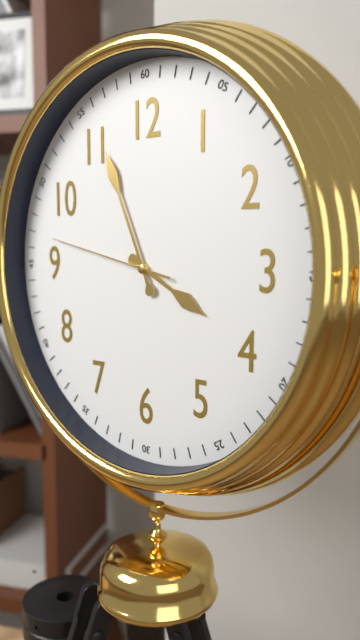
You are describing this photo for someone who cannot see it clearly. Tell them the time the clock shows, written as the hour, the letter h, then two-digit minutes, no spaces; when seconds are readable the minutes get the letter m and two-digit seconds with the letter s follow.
3h56m47s
